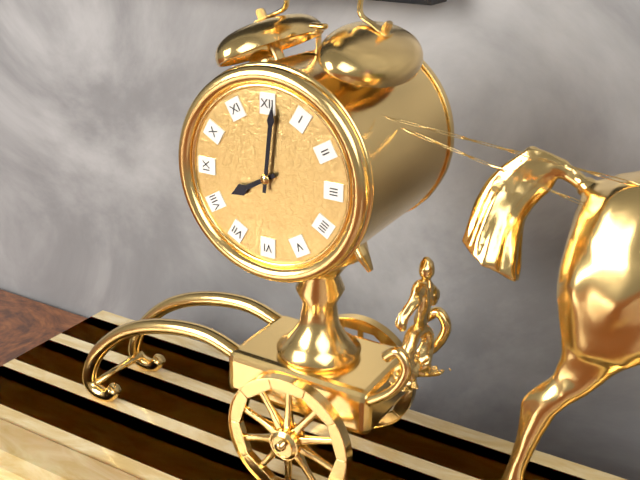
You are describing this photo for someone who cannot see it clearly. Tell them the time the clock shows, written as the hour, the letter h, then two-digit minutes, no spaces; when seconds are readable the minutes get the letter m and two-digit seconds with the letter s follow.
8h01
